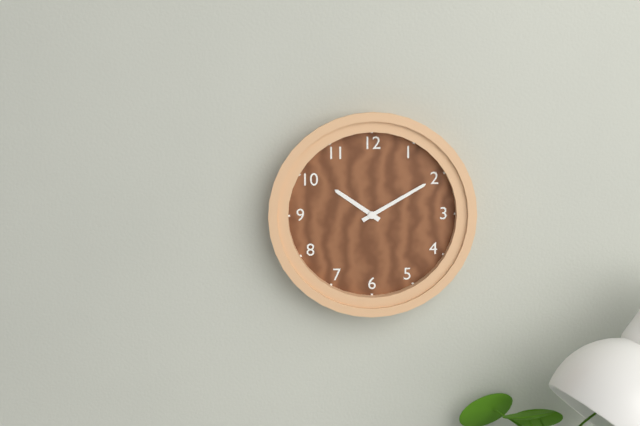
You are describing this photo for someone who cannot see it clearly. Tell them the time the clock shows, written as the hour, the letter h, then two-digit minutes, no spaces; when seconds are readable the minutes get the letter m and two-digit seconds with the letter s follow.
10h10
